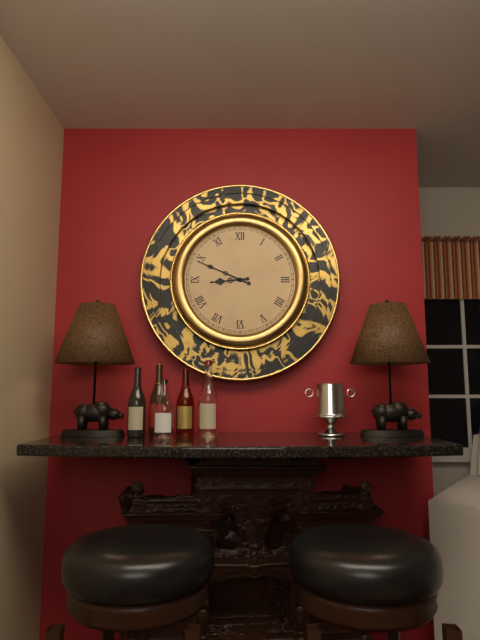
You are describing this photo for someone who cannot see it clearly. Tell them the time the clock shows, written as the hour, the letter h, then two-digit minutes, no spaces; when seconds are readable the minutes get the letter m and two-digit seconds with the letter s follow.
8h49
